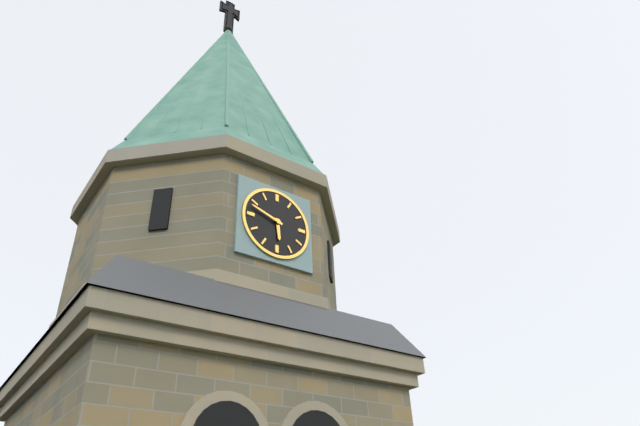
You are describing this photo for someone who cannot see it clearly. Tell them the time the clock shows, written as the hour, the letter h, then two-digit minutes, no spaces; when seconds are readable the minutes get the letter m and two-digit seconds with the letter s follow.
5h48
